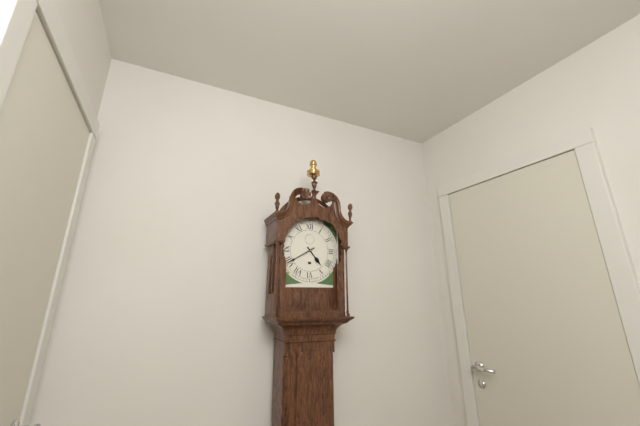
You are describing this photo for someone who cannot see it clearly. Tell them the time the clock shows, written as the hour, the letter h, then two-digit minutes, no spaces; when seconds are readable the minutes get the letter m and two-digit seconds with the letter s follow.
4h40
